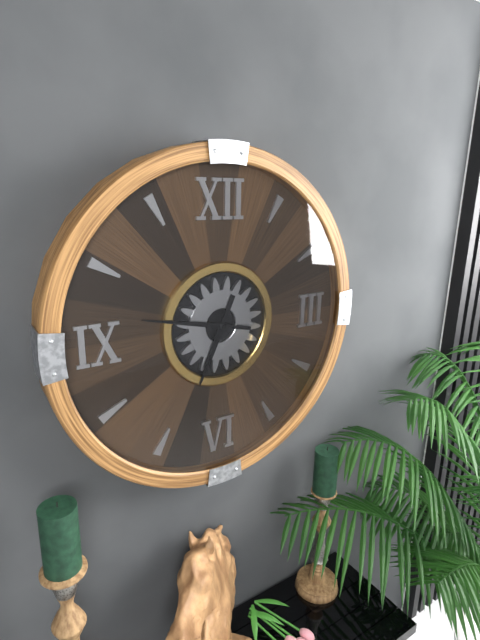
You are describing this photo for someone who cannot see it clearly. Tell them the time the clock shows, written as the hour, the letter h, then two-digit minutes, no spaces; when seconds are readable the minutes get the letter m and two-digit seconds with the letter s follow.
6h47
